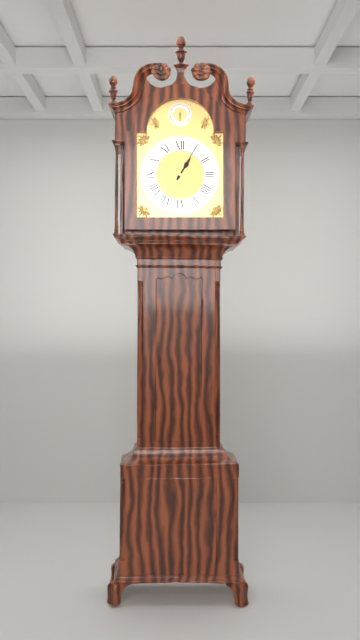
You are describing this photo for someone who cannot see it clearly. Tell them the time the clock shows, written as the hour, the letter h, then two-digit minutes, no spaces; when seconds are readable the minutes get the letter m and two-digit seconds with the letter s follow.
1h05
